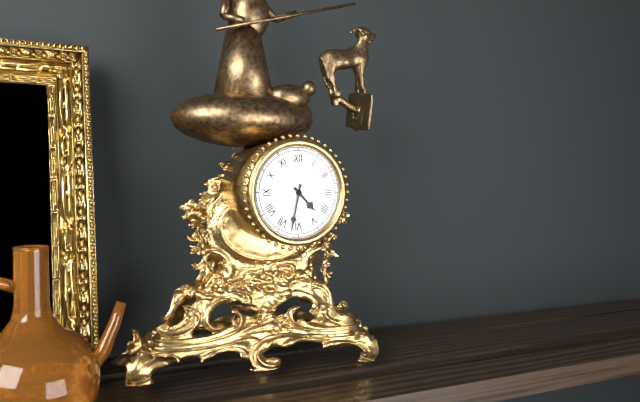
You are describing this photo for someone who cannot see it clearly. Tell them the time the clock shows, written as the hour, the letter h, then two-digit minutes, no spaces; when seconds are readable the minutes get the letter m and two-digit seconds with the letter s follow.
4h32
